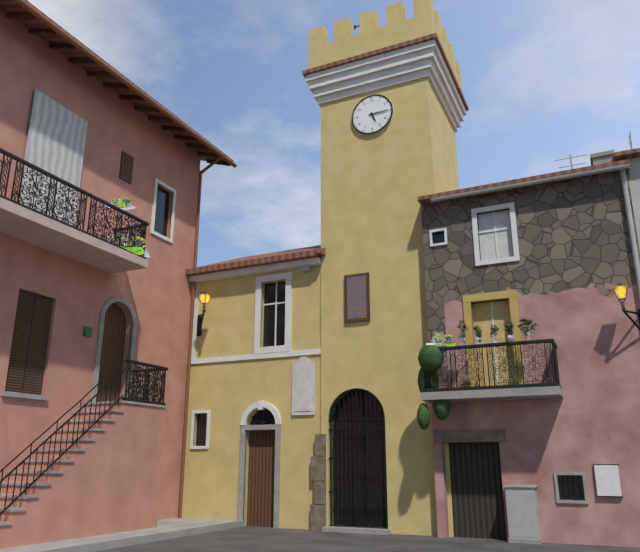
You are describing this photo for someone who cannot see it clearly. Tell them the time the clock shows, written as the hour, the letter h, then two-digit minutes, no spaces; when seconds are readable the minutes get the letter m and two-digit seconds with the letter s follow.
5h15
